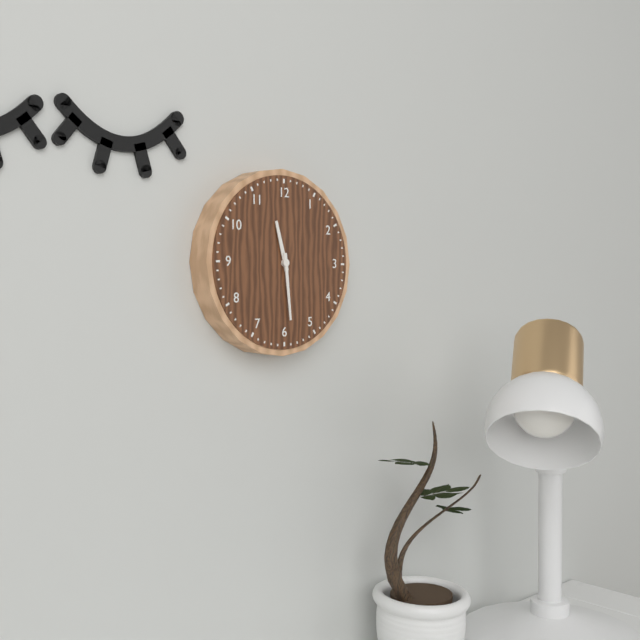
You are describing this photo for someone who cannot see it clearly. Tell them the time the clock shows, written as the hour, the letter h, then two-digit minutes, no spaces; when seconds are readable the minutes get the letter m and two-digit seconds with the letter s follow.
11h29
